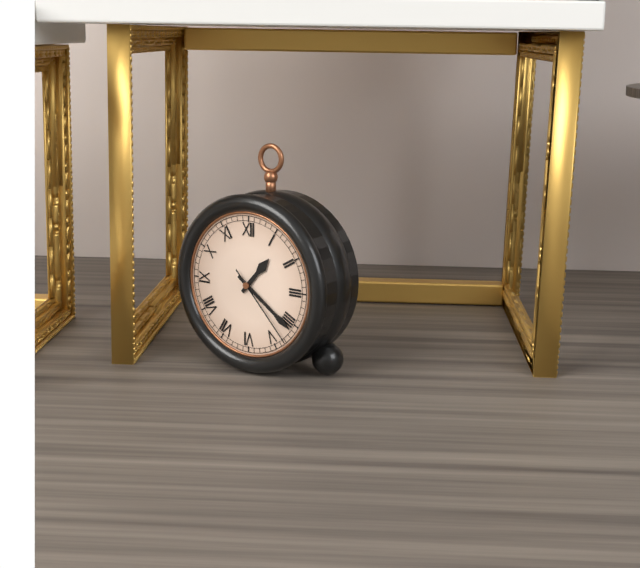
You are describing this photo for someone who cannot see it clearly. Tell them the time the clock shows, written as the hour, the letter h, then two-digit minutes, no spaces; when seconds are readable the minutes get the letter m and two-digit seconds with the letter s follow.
1h21m23s
